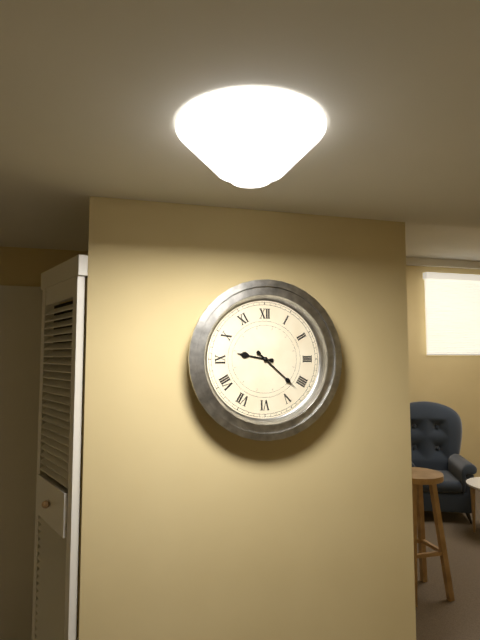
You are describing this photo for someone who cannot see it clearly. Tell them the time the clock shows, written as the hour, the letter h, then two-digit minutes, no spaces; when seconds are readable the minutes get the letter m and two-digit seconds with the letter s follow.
9h22
